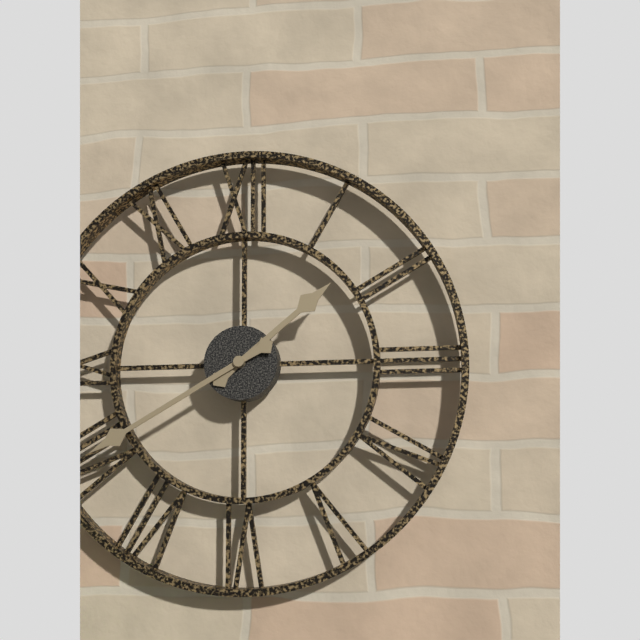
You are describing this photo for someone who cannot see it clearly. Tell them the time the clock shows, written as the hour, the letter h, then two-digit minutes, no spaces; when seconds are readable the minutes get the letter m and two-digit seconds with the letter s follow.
1h40
